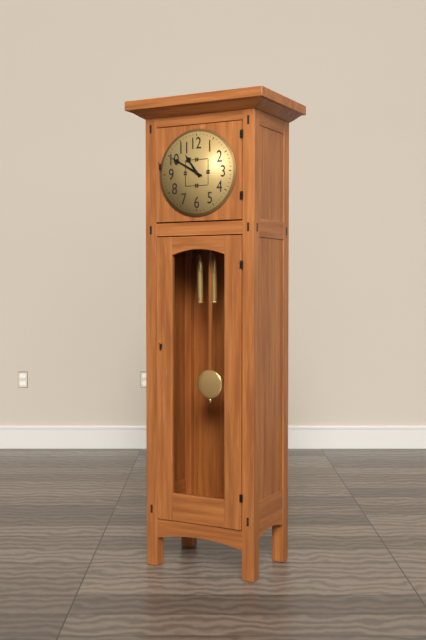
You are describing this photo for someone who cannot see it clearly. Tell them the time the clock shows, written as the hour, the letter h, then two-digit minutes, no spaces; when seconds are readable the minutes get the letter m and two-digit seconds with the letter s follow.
10h50
